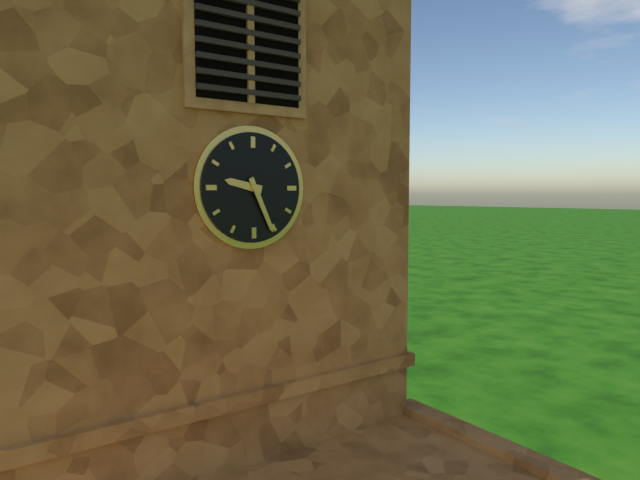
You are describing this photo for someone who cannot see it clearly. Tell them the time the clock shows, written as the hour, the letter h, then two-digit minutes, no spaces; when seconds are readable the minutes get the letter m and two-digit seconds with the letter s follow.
9h26
